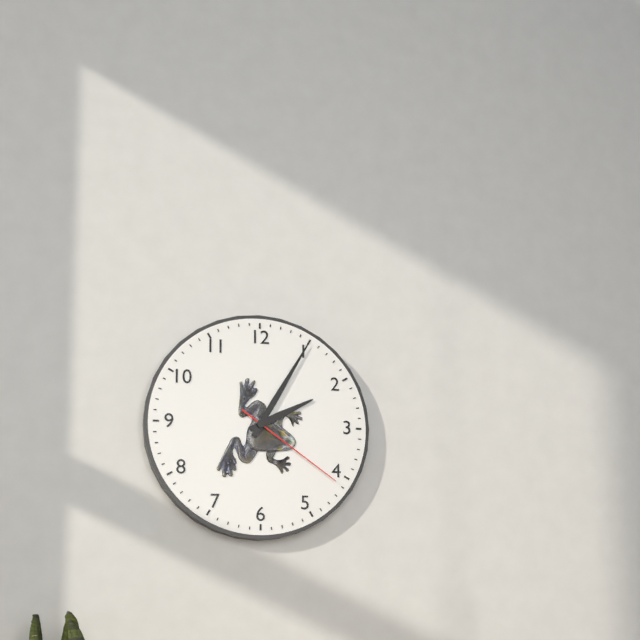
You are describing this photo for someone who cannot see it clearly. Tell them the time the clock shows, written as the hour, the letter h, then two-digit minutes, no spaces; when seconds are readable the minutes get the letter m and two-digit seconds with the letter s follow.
2h05m21s
